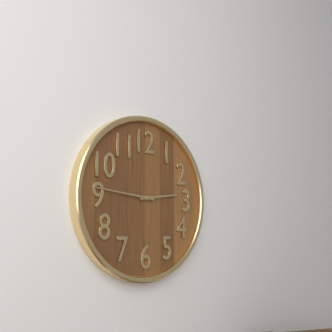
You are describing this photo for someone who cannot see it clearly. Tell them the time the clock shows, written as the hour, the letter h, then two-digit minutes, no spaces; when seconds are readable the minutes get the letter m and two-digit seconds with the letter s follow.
2h46
